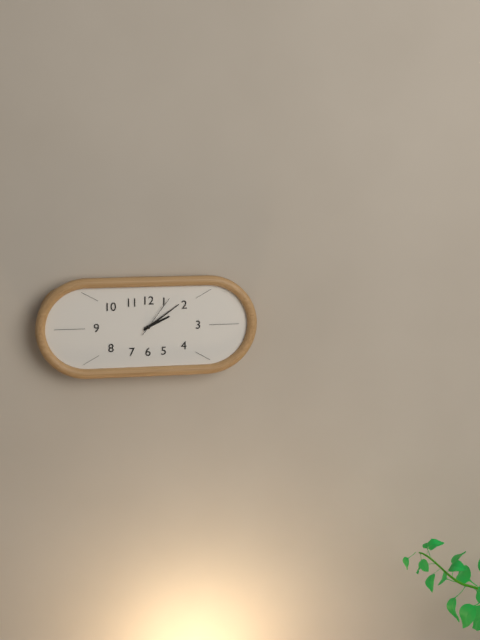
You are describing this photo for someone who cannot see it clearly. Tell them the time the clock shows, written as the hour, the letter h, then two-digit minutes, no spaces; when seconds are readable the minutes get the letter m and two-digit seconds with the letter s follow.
2h09
